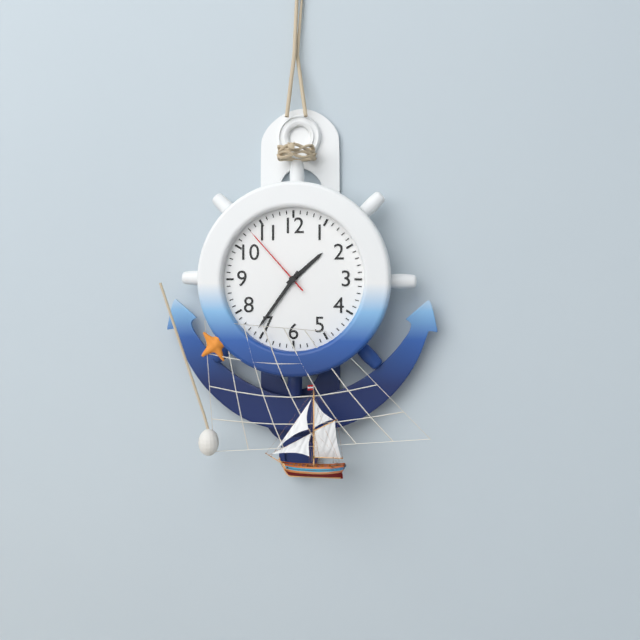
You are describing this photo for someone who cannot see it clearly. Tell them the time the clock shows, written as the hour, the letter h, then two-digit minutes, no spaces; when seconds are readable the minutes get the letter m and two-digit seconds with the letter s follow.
1h36m53s
